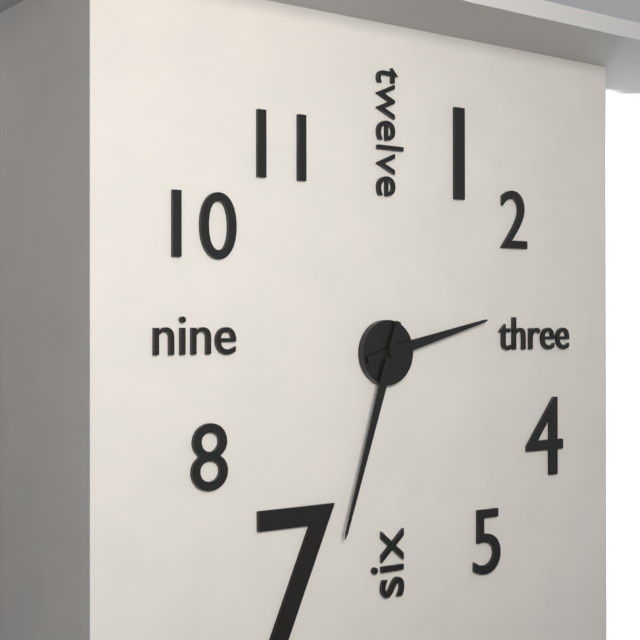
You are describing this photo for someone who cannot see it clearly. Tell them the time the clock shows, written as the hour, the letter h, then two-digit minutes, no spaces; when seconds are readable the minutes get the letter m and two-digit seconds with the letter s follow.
2h33
